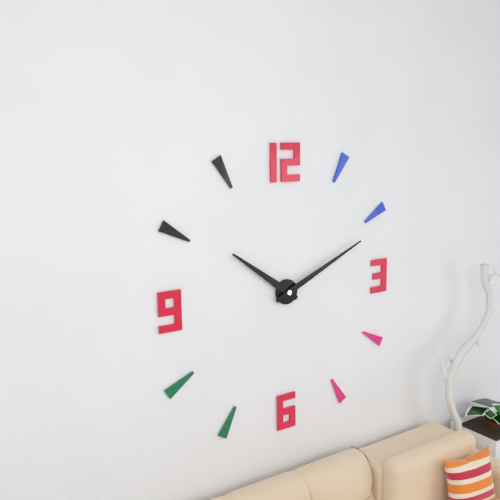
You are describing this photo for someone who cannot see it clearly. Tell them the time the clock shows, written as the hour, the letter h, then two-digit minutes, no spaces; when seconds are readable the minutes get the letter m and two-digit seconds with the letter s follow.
10h11
